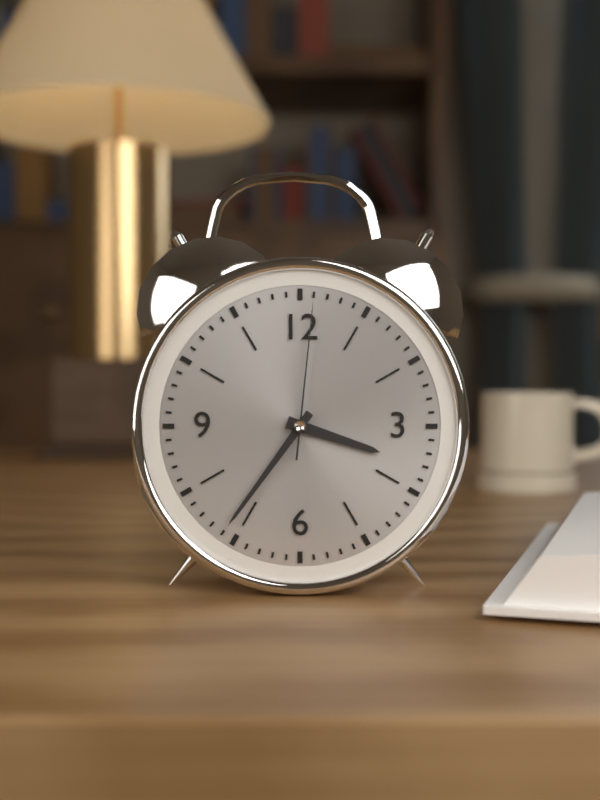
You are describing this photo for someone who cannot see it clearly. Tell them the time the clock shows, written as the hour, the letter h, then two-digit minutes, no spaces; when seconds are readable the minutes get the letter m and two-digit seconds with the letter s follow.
3h36m01s
